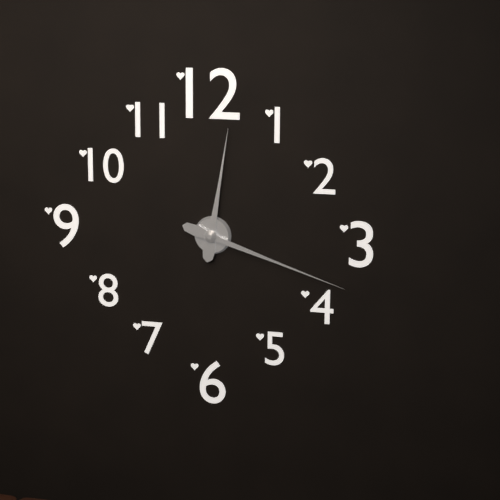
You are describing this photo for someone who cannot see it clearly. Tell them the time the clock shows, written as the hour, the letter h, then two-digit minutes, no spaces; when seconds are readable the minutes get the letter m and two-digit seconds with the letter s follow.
12h18
